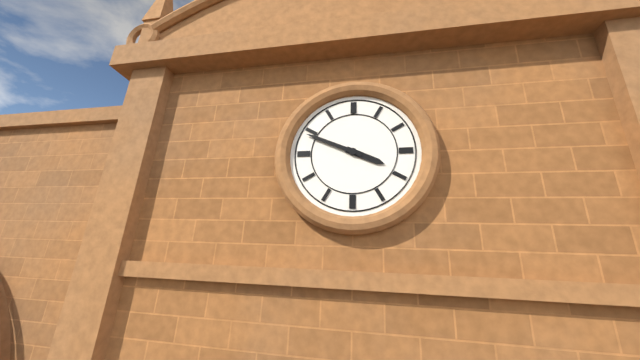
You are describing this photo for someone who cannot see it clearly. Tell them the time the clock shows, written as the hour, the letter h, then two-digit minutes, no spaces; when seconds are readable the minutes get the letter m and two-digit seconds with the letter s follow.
3h49
